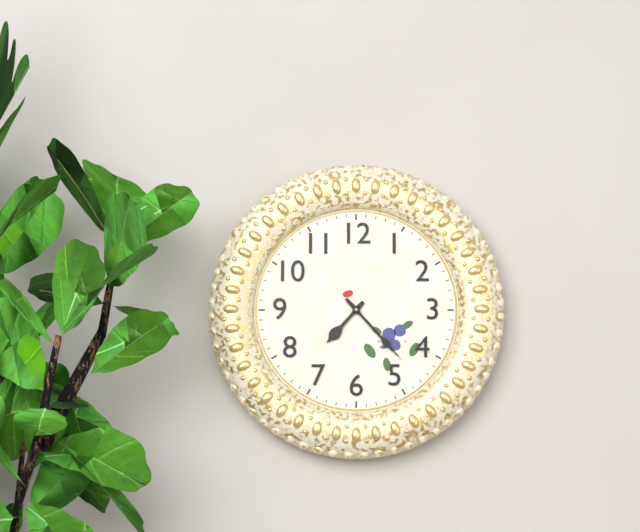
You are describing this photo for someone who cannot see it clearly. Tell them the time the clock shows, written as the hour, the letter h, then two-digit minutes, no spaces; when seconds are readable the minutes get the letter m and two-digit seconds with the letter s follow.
7h23
